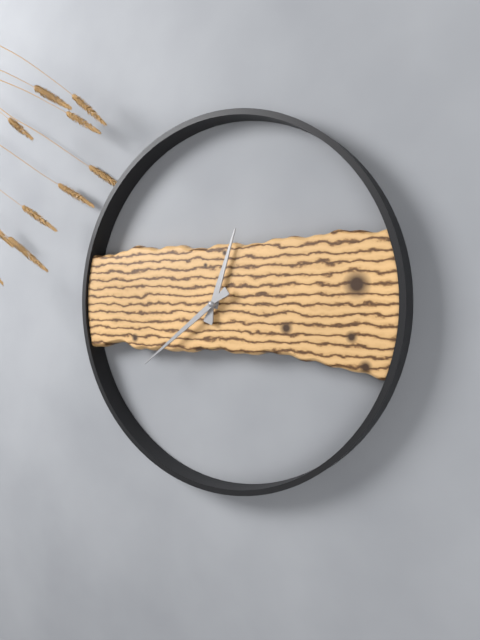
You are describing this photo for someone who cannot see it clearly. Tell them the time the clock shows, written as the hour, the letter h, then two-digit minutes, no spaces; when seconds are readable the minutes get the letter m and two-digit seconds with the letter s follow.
12h39
